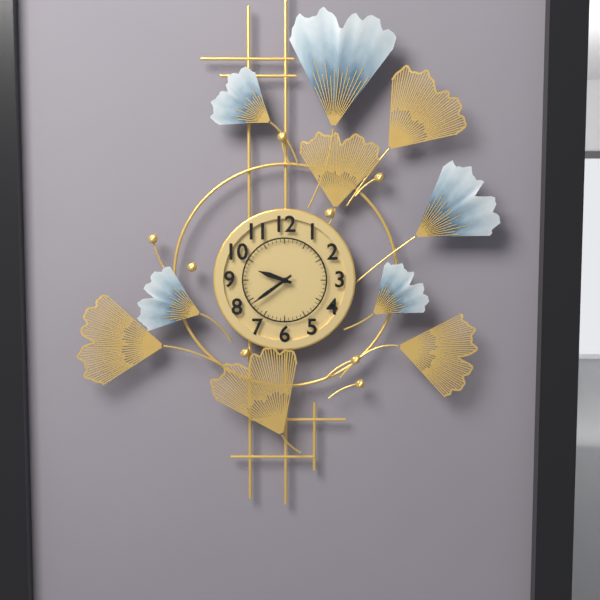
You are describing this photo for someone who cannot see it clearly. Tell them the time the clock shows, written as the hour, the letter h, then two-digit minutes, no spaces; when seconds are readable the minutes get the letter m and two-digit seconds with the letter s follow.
9h39
